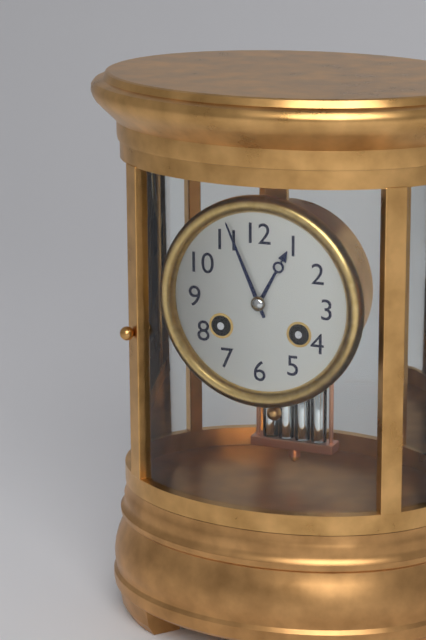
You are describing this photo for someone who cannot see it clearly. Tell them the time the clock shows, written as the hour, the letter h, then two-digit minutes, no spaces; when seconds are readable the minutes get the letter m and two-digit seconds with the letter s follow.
12h56
